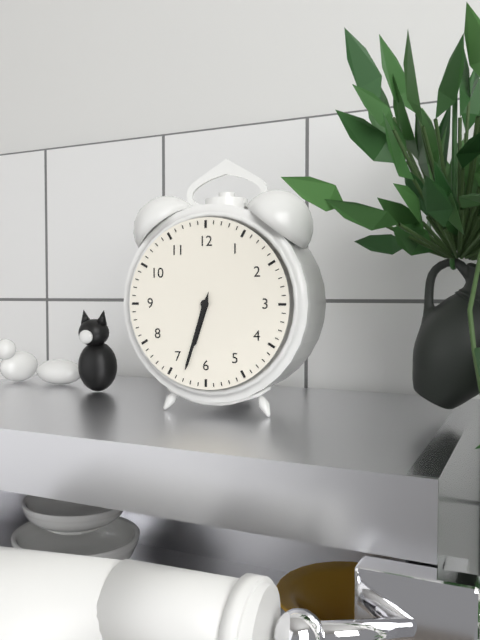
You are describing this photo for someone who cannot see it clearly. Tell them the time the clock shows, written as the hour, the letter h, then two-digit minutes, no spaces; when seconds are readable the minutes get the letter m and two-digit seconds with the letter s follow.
6h33
